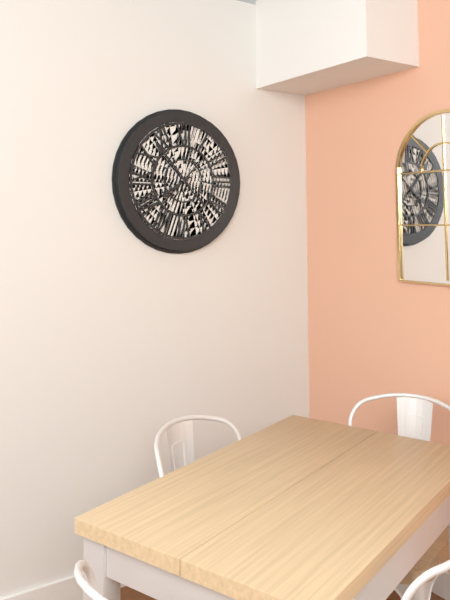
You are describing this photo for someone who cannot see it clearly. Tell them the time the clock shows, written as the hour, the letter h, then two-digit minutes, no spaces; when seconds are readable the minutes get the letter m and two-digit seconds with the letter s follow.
7h53
